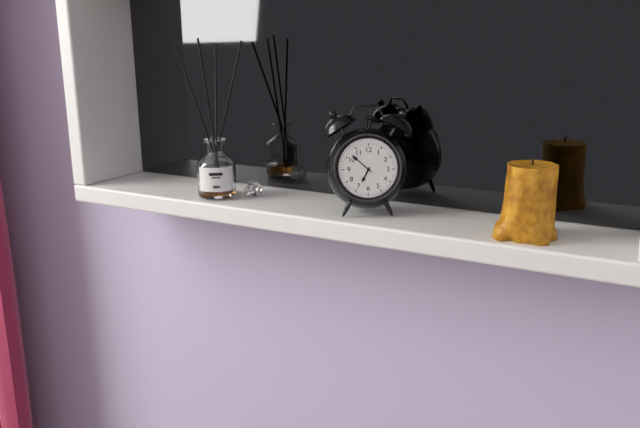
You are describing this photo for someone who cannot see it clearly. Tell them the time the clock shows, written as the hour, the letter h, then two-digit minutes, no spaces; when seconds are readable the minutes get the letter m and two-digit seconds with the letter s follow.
6h52
